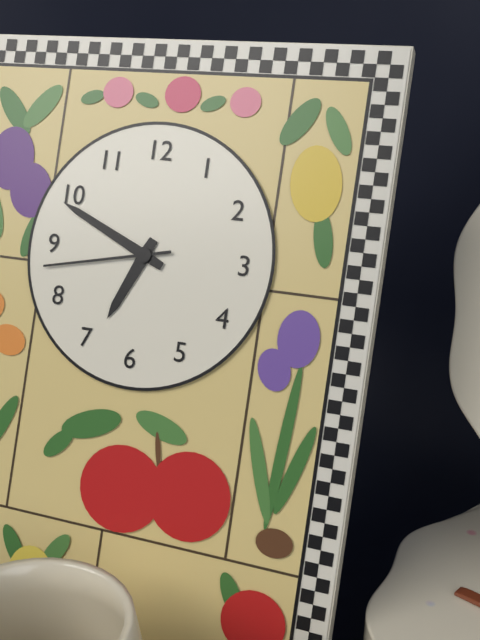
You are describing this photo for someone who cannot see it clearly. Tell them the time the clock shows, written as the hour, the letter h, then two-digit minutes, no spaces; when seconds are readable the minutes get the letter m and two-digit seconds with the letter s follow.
6h49m43s
